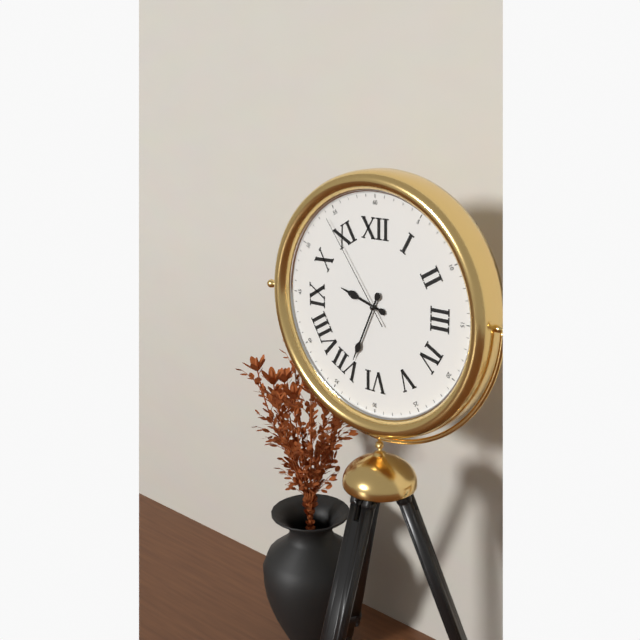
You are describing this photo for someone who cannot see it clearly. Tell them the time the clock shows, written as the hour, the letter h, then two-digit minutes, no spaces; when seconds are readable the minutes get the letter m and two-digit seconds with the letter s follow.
9h34m54s
